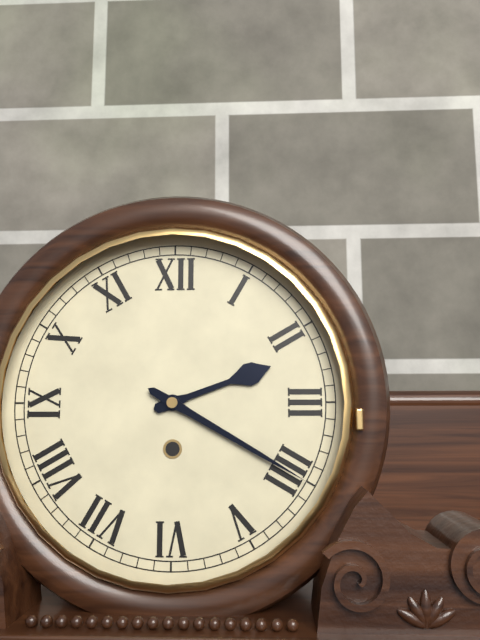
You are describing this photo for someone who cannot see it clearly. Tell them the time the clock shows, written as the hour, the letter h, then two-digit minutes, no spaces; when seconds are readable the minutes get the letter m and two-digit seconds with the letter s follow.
2h20
